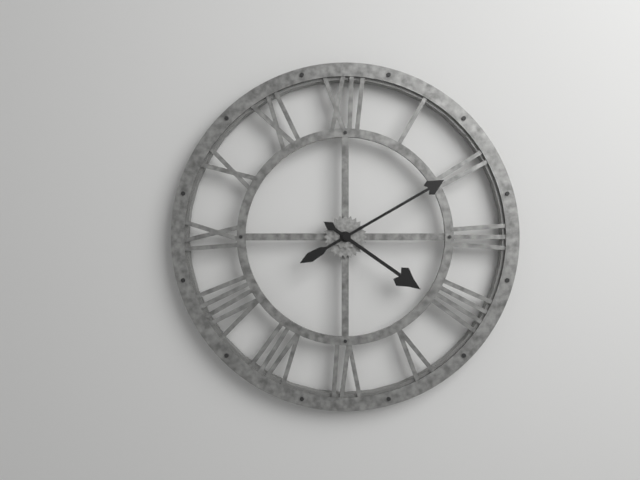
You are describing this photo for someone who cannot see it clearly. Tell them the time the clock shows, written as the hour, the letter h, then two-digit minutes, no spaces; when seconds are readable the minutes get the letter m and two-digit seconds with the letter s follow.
4h10
